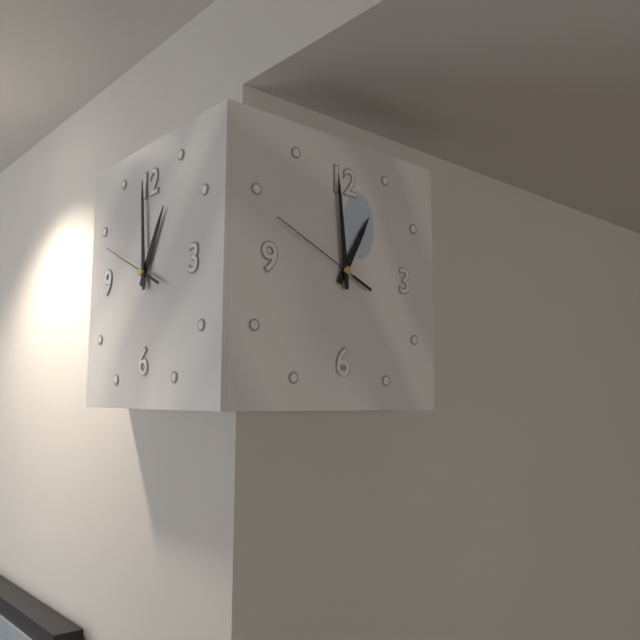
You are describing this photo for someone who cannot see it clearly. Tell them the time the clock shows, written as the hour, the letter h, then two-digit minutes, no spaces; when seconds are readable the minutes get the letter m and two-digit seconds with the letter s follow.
12h59m49s
